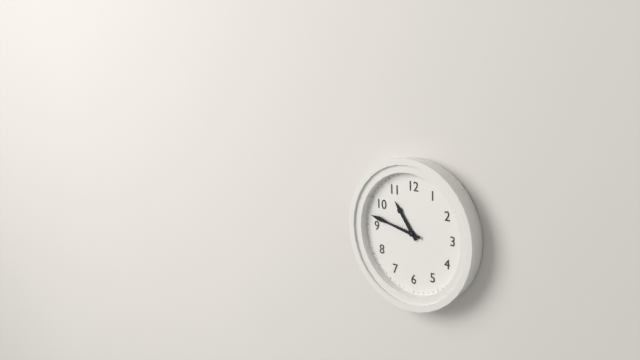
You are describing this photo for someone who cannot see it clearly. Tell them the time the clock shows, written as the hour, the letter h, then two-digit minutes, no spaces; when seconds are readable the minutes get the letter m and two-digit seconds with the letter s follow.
10h47
